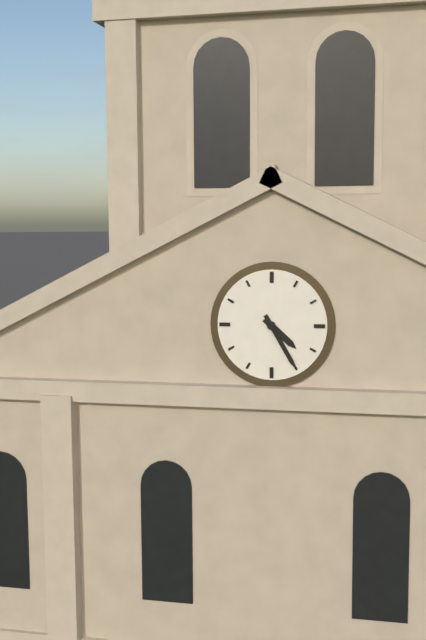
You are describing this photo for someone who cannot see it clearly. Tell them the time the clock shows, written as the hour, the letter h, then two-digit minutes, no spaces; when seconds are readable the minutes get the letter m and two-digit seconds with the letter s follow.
4h25
